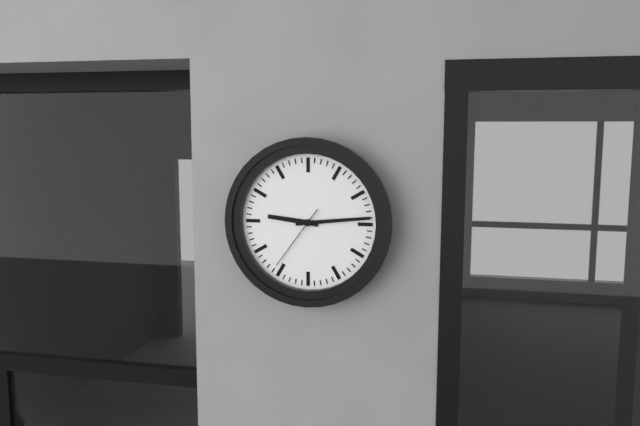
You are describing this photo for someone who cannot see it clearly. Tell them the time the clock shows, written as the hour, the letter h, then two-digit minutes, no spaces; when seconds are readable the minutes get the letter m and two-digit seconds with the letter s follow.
9h14m36s
